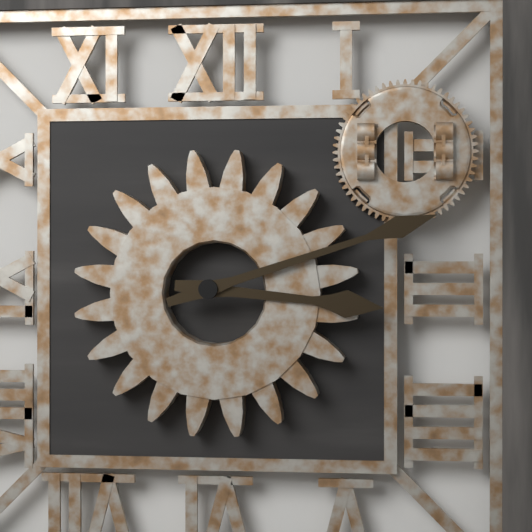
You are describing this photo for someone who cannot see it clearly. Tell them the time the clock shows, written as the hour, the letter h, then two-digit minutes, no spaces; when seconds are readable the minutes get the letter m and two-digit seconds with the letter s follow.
3h12
